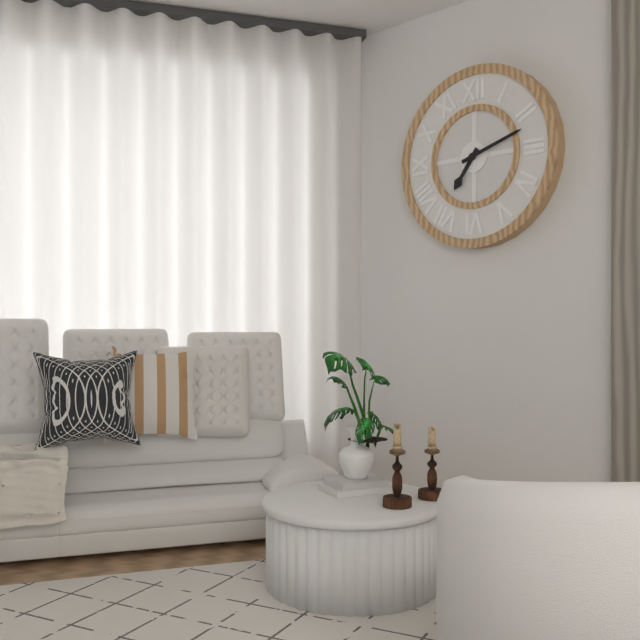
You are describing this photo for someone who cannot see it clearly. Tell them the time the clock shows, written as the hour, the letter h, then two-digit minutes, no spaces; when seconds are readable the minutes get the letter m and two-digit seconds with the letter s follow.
7h12
